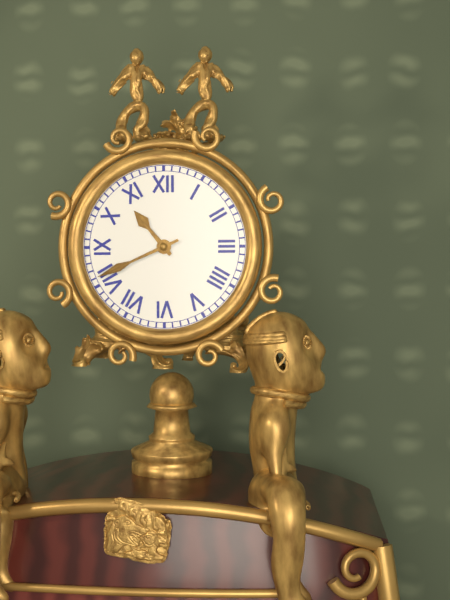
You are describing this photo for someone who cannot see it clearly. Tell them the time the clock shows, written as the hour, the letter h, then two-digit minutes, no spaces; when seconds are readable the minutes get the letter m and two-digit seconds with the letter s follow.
10h41
